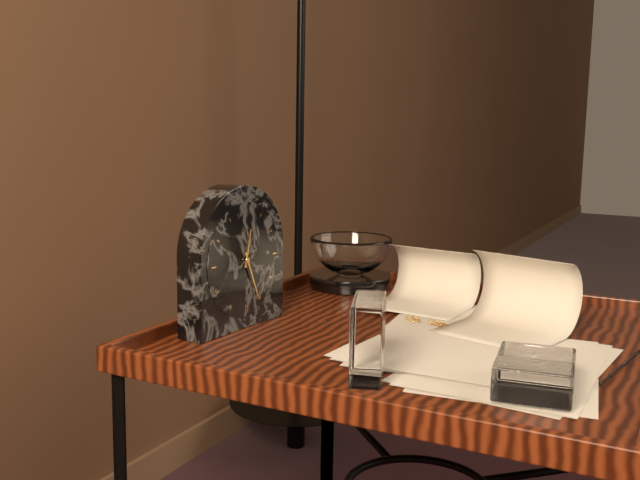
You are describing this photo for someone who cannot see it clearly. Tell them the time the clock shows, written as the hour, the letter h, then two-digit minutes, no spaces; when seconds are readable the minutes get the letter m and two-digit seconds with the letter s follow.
12h26
